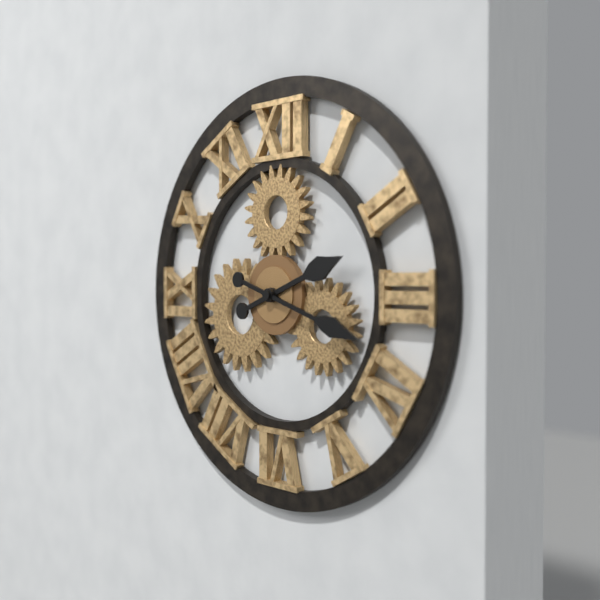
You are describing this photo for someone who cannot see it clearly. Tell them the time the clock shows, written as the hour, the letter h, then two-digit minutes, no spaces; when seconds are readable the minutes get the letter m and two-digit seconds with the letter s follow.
2h18
